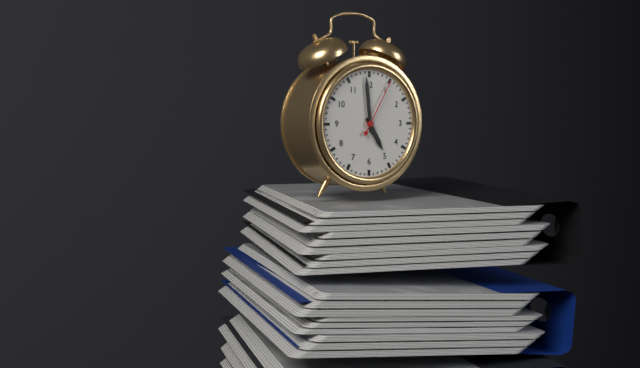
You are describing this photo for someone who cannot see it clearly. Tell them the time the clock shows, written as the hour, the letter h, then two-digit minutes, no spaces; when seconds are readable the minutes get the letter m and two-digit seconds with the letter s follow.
4h59m05s
